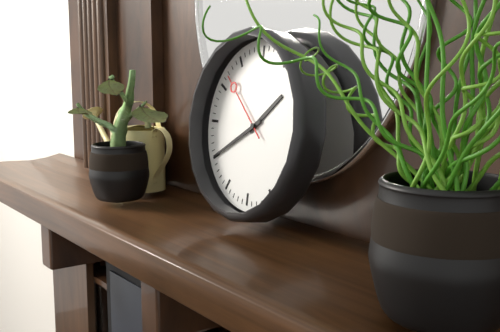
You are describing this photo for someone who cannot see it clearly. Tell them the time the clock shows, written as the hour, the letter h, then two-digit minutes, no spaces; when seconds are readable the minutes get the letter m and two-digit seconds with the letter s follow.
1h40m52s
